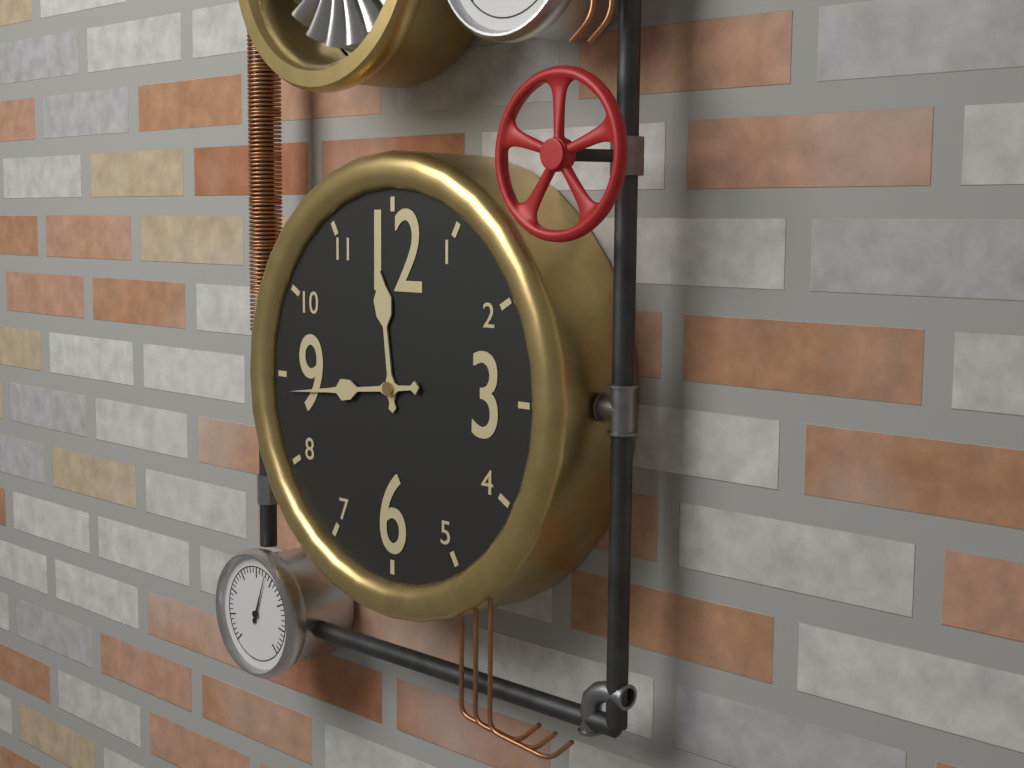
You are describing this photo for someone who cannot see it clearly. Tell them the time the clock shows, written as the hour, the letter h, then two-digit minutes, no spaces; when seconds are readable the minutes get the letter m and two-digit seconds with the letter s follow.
11h44
